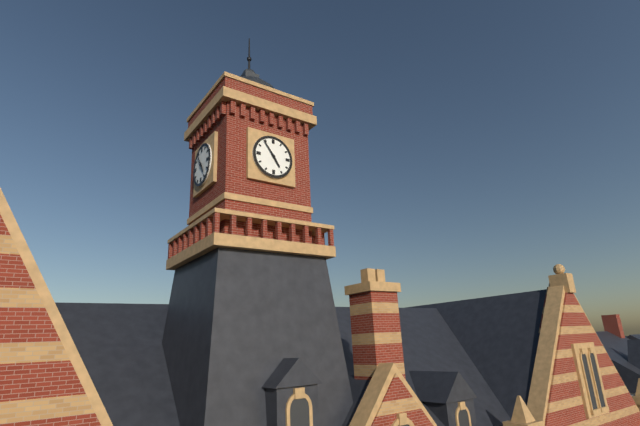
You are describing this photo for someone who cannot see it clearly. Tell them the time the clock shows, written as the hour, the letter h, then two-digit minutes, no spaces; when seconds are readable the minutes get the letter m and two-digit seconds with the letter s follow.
4h54
